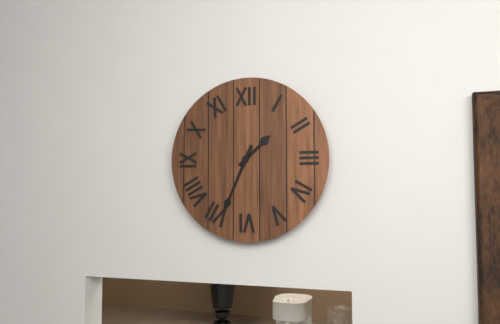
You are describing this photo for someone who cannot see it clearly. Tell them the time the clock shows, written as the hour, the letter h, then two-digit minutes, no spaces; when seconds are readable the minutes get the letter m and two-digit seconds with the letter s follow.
1h34
